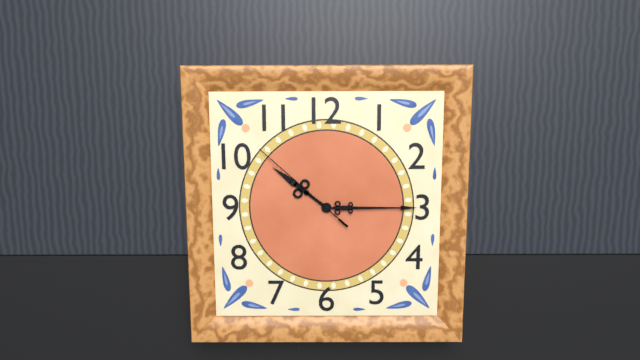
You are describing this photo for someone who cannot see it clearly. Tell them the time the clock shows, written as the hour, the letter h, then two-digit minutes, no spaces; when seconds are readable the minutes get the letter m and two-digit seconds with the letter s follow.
10h15m52s
